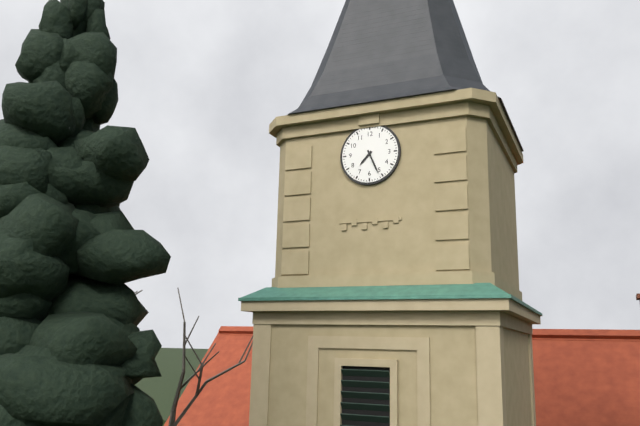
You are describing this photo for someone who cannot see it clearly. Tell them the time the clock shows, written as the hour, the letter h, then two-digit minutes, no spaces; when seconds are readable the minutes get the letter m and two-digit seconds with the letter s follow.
7h26
